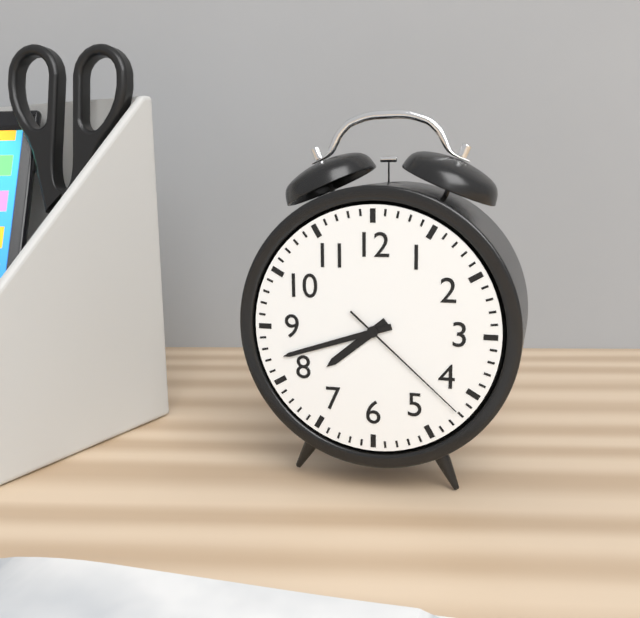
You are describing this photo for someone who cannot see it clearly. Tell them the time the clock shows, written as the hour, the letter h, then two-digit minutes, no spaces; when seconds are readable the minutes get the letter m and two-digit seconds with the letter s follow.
7h42m22s
